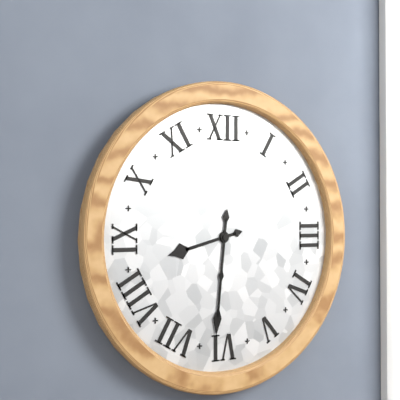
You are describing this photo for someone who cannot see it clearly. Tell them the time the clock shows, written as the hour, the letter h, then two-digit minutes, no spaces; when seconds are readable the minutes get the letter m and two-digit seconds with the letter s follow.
8h31
